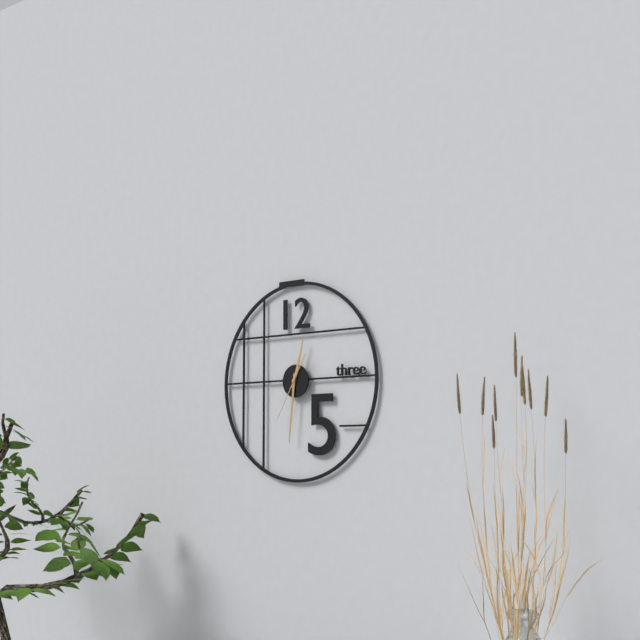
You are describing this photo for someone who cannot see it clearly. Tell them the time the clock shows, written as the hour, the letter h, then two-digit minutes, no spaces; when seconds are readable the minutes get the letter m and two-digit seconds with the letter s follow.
12h31m35s
